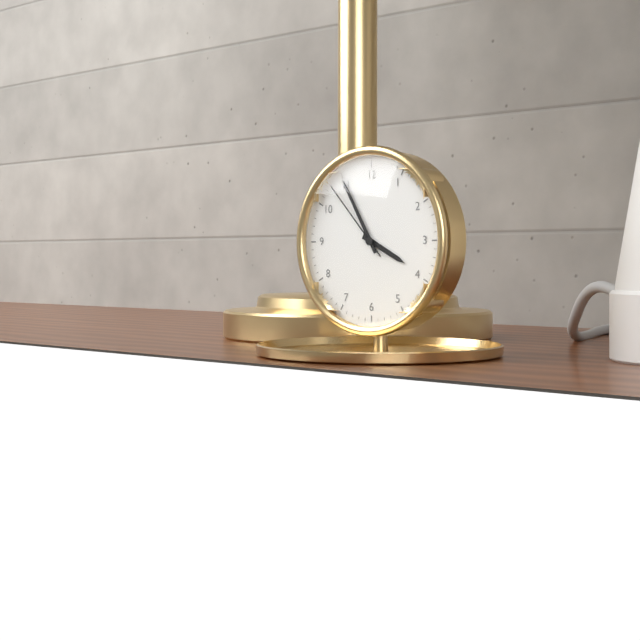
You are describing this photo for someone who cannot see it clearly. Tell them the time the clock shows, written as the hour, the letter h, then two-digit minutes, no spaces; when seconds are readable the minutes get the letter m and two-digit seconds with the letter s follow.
3h55m53s
